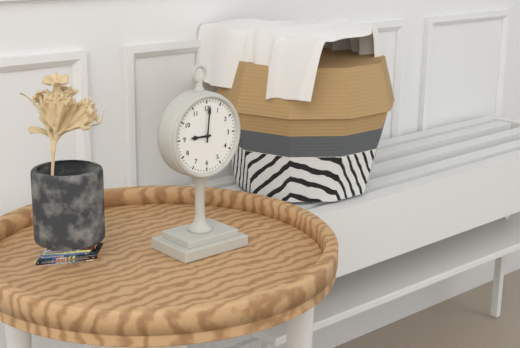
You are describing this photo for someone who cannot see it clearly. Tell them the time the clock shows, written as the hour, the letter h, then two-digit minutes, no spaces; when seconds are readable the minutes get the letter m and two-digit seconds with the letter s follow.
9h01
